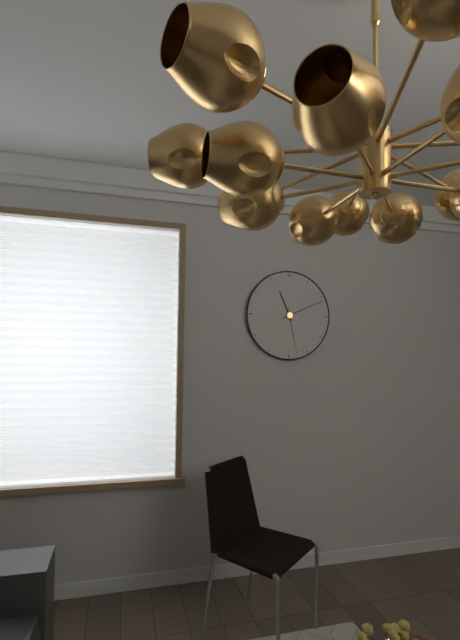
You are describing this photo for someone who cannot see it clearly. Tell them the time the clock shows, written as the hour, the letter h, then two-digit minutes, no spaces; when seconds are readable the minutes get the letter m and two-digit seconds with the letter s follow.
11h11m28s
